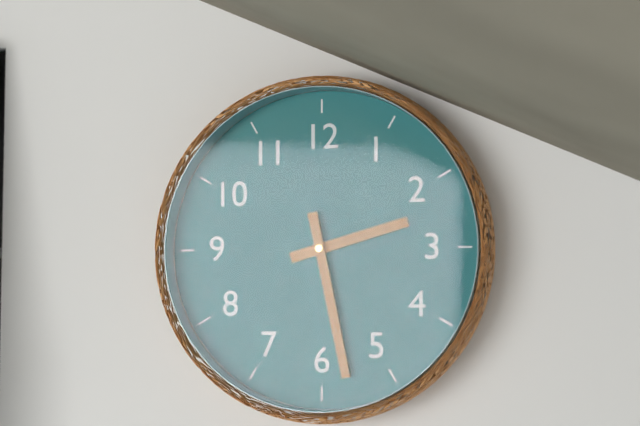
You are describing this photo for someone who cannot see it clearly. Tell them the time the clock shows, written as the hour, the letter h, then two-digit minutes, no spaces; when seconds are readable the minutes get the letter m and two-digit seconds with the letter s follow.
2h28
